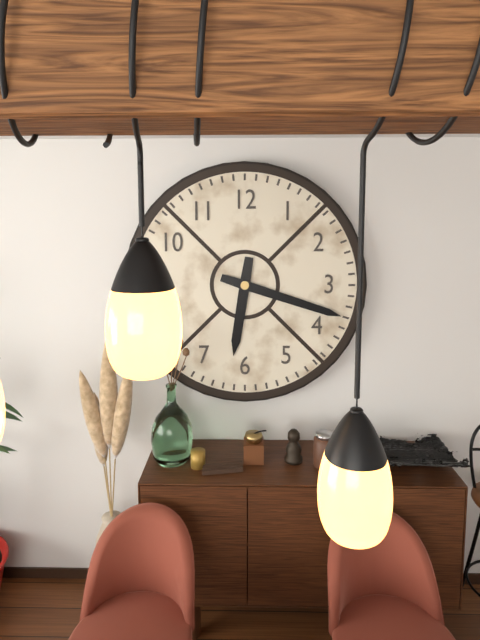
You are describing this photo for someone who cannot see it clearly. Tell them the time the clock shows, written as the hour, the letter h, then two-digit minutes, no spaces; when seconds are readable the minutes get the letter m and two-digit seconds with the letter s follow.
6h18
